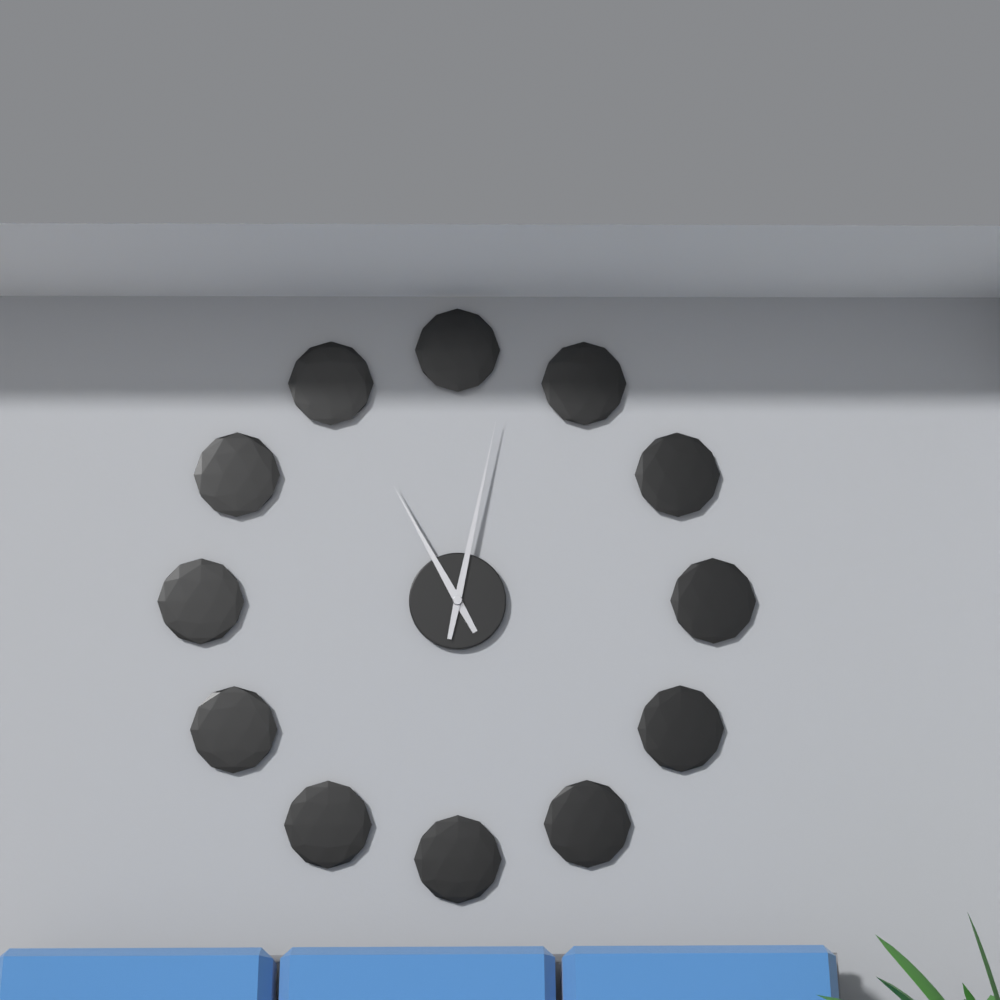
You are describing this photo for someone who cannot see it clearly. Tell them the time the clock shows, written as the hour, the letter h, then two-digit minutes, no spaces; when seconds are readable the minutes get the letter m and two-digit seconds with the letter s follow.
11h02
